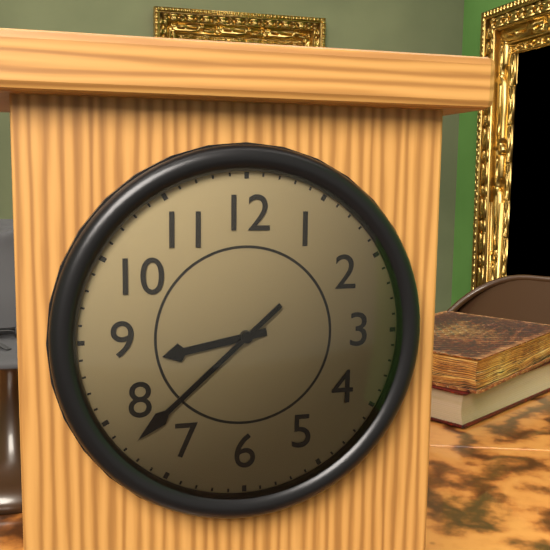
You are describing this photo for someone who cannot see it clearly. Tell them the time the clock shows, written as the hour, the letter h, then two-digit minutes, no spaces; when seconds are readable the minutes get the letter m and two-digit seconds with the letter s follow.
8h38
